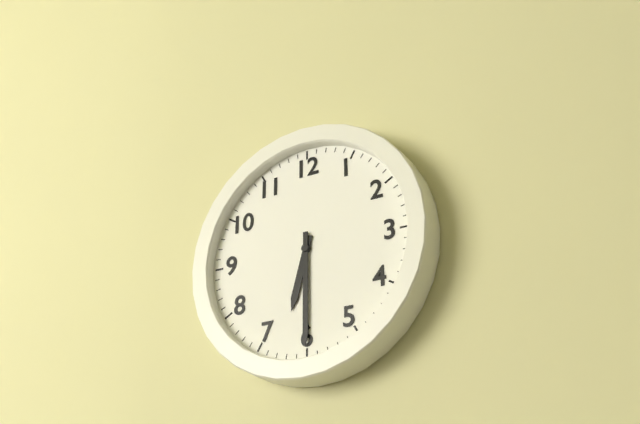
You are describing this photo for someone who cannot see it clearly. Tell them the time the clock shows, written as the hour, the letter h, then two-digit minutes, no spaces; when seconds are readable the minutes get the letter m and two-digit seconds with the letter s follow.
6h30
